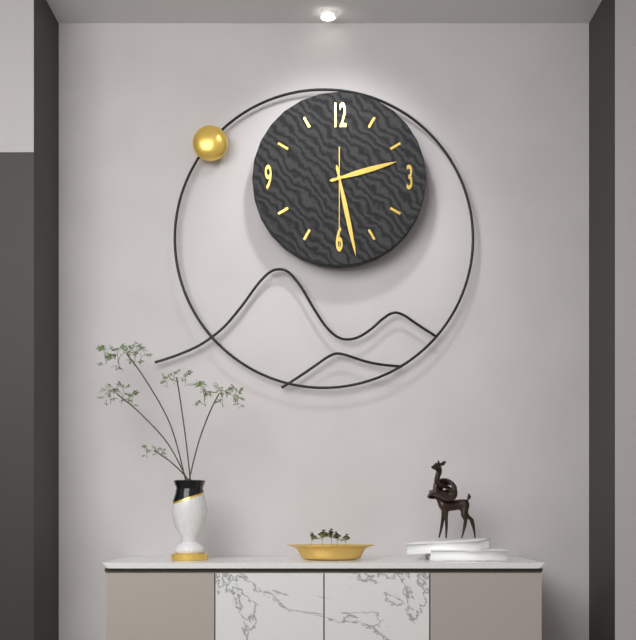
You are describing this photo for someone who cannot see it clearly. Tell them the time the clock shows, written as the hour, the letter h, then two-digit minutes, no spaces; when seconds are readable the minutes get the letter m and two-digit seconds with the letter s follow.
2h28m30s
